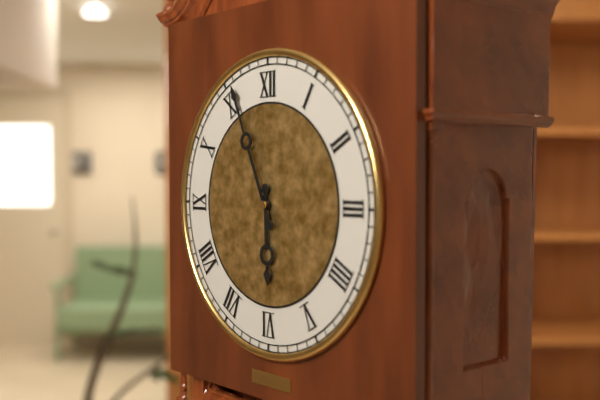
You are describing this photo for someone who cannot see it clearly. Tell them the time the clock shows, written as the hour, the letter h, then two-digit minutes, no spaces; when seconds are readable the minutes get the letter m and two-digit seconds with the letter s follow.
5h56
